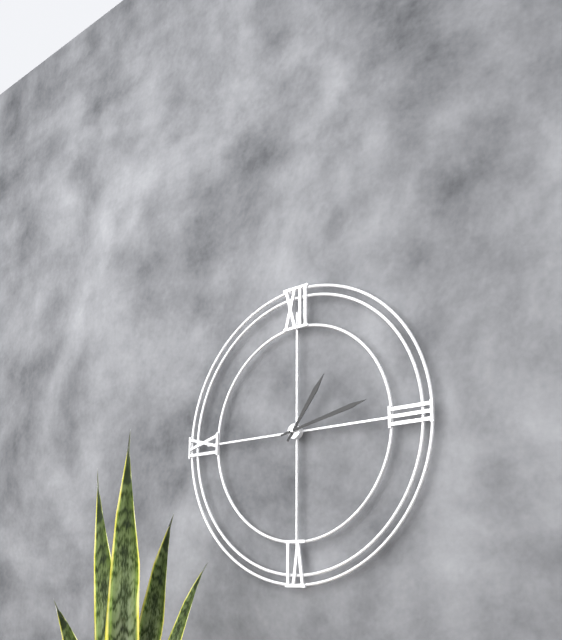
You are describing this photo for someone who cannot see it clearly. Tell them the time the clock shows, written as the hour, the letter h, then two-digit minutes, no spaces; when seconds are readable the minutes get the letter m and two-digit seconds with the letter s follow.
1h13
